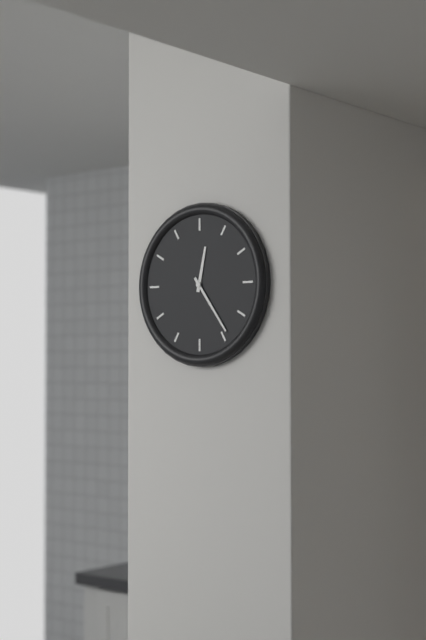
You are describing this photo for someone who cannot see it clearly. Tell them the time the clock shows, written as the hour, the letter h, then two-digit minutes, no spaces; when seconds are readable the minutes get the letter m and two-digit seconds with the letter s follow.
12h24
